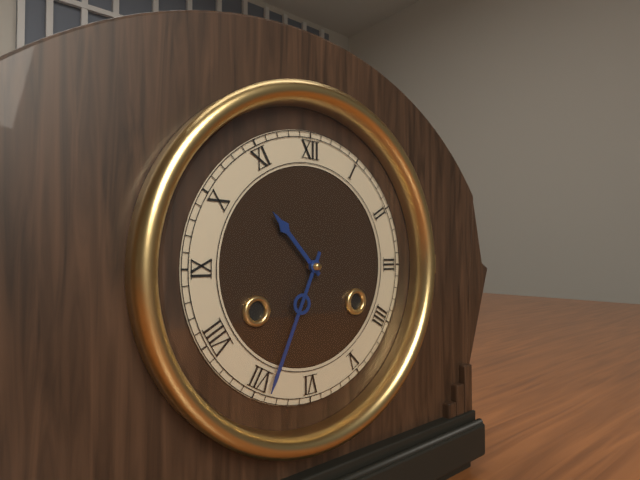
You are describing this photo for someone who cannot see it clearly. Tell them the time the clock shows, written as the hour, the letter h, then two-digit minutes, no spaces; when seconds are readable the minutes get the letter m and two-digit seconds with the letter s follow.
10h34
